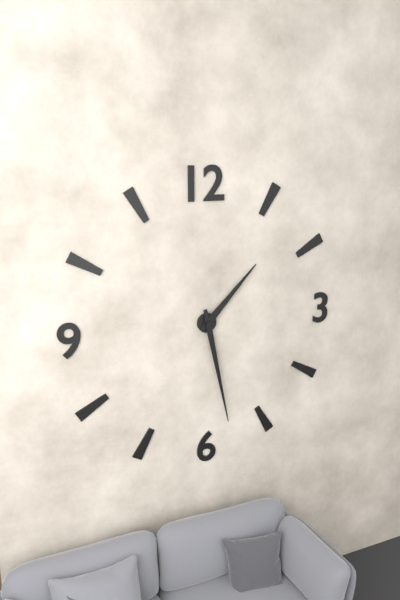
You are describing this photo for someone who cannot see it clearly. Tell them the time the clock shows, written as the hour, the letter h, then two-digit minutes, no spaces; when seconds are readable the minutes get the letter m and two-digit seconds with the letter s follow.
1h28
